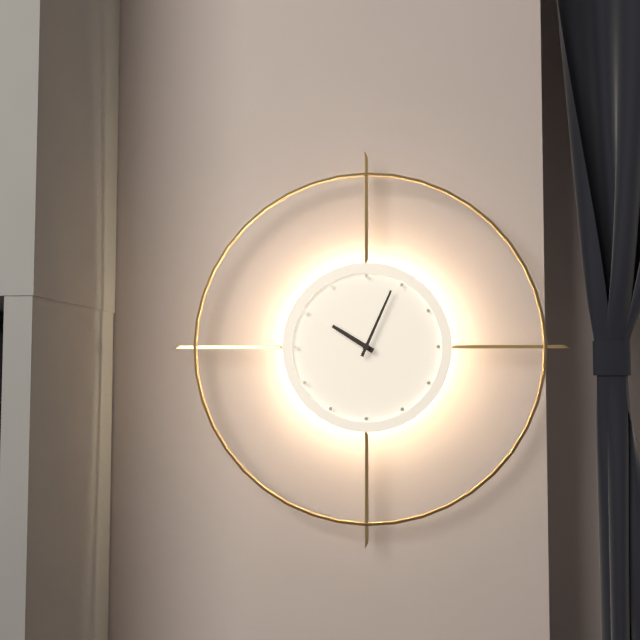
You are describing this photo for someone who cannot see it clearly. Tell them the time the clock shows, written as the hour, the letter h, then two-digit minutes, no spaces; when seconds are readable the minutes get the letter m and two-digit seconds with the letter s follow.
10h04
